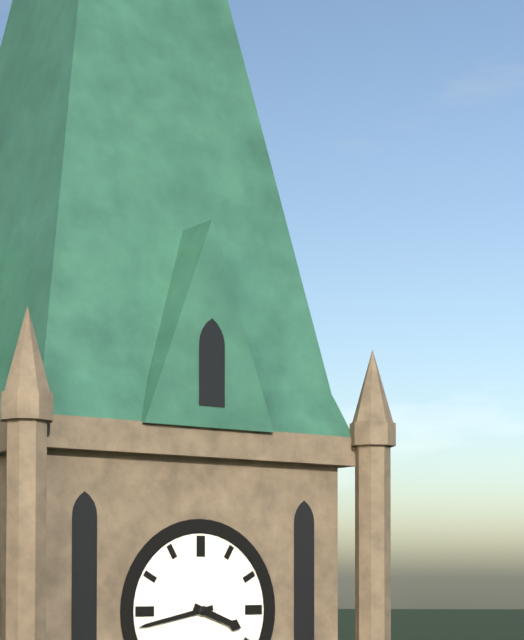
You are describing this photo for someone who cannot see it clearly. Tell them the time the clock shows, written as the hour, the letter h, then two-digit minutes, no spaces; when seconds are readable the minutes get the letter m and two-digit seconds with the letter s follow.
3h43
